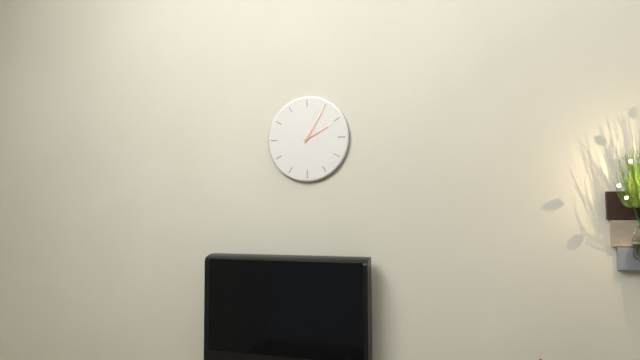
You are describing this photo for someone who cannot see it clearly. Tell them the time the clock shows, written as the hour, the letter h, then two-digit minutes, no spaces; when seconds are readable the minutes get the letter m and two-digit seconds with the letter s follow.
2h05
